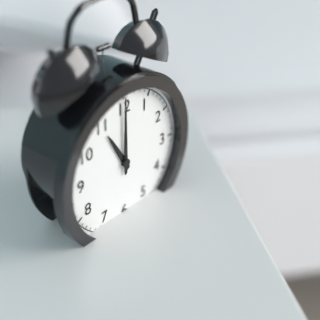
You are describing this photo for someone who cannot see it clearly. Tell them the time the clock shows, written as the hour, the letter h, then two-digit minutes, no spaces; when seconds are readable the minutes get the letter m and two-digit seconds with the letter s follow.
11h00
